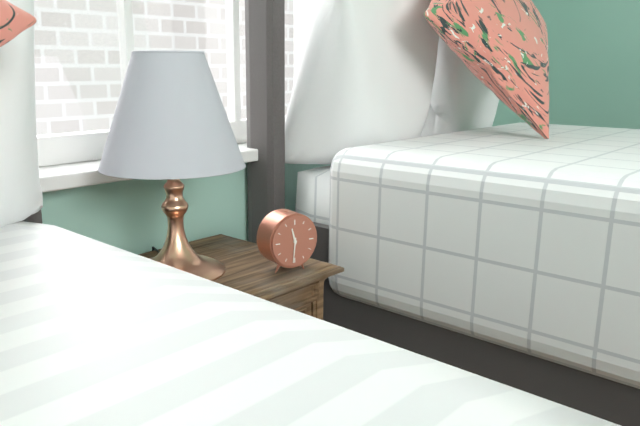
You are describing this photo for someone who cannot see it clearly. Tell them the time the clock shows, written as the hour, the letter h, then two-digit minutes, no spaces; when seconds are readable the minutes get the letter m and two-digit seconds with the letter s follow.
11h31
